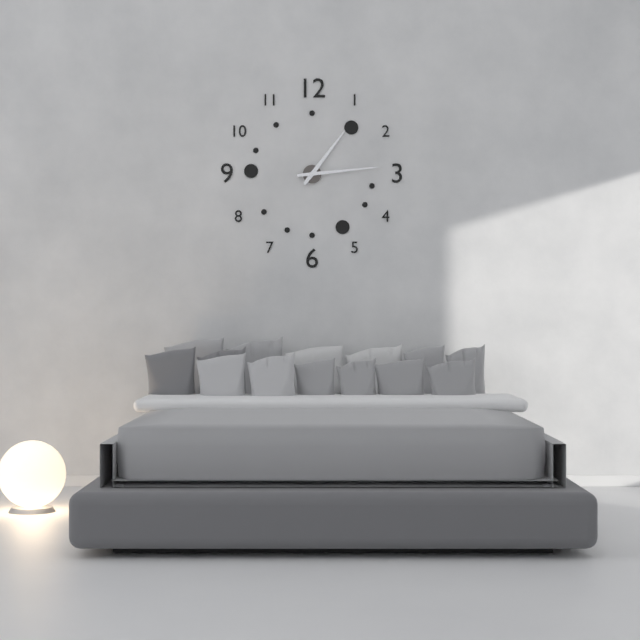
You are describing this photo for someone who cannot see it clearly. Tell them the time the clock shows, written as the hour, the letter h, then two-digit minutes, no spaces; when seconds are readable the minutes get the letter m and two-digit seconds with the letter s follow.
1h14
